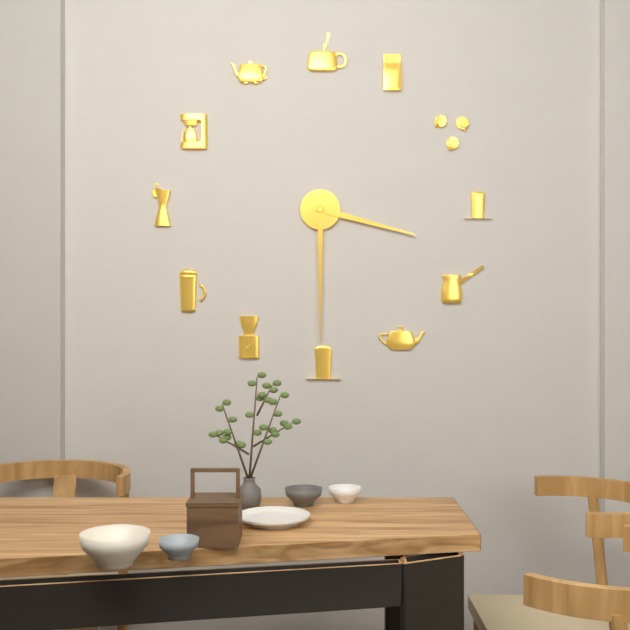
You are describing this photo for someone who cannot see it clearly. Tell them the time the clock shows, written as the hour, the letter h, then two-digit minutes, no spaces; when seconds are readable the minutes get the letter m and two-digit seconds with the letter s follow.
3h30
